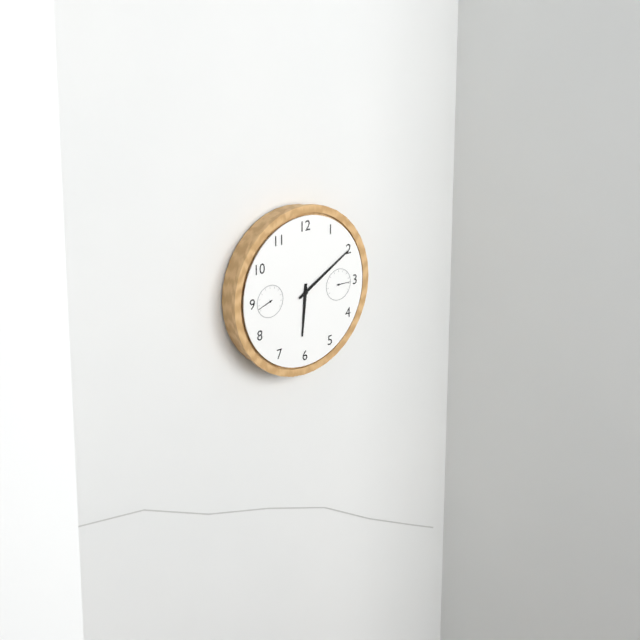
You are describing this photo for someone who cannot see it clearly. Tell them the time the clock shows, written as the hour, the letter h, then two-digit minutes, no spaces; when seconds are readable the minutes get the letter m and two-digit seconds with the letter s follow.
6h10
